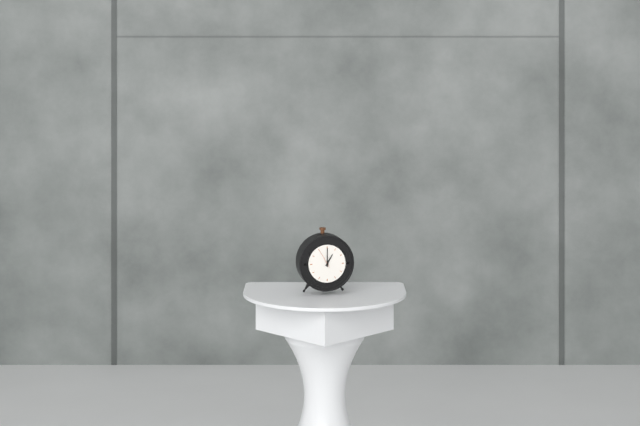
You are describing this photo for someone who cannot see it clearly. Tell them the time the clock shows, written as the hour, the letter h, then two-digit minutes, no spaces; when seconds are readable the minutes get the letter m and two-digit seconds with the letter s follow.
1h00
